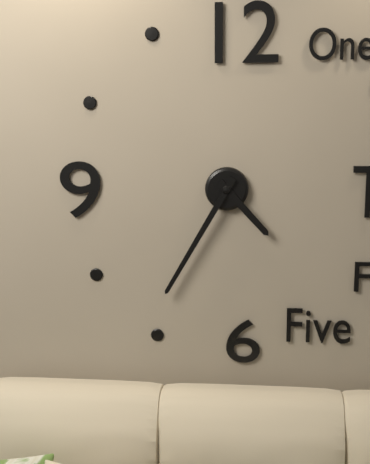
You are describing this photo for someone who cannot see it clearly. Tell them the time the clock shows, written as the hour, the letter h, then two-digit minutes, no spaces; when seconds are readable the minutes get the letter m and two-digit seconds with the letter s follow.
4h35
